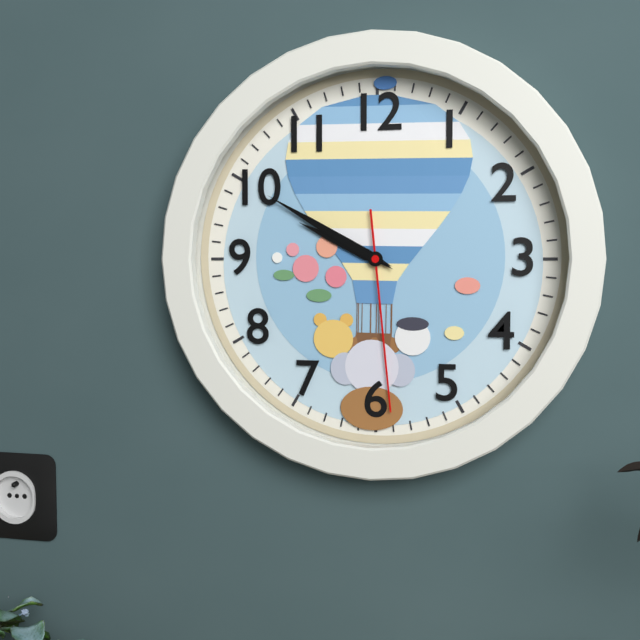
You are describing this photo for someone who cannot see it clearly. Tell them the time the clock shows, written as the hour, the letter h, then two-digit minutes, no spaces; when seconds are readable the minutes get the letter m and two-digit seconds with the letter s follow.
9h50m29s
